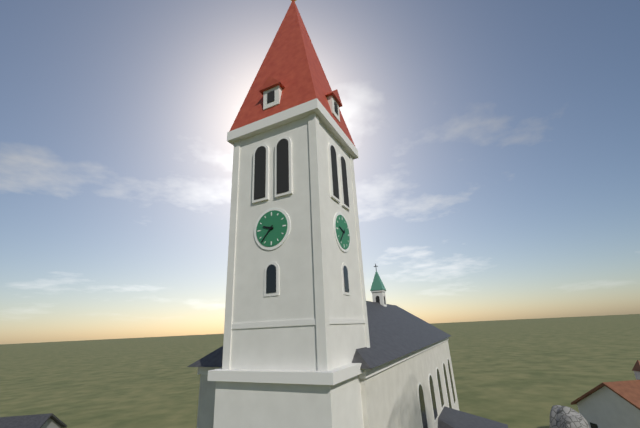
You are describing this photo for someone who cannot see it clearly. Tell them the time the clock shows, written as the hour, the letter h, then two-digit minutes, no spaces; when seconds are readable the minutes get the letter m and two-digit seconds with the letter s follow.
9h37
